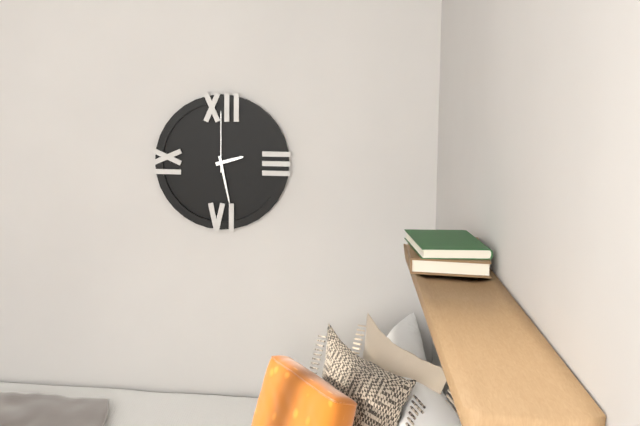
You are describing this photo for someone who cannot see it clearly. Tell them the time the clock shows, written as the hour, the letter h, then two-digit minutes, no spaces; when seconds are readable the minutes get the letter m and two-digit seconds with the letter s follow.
2h28m00s
